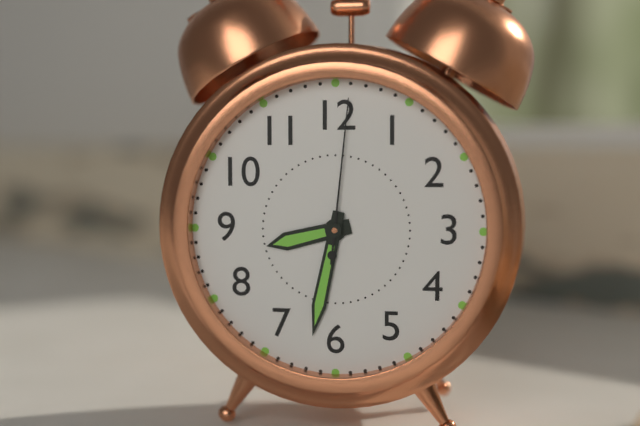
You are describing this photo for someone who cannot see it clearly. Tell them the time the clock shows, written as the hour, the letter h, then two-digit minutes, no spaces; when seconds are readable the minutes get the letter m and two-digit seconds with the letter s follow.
8h32m01s
